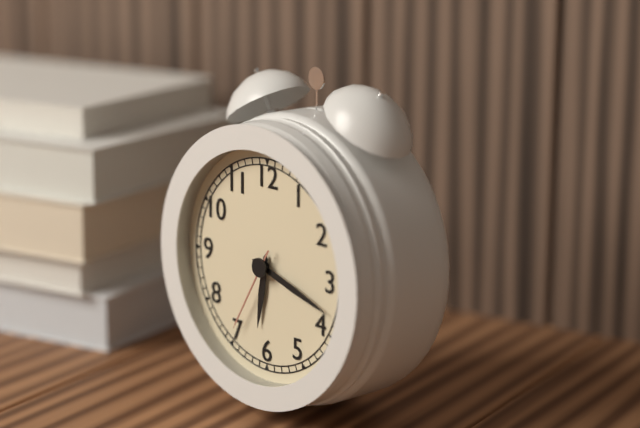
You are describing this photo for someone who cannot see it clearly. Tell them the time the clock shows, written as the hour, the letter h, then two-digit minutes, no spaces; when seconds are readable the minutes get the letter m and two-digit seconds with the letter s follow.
6h18m35s
